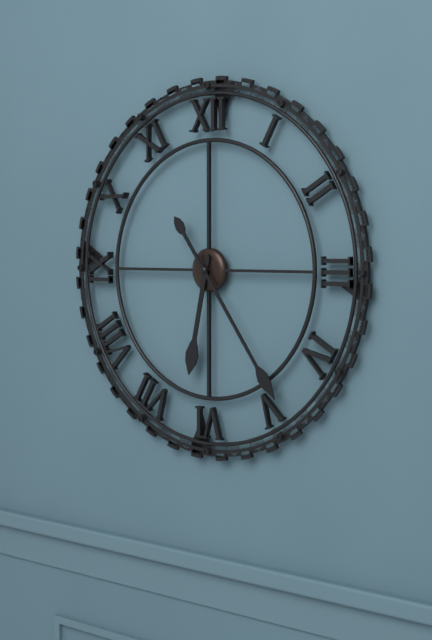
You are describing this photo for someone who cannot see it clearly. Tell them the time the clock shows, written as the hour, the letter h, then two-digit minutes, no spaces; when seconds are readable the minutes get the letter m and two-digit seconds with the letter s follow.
6h24
